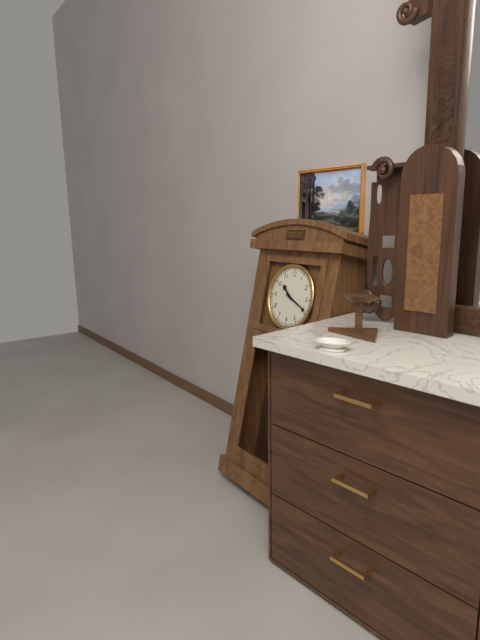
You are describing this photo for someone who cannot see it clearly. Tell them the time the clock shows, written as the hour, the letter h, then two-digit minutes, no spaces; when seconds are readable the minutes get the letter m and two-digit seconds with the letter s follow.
10h19
